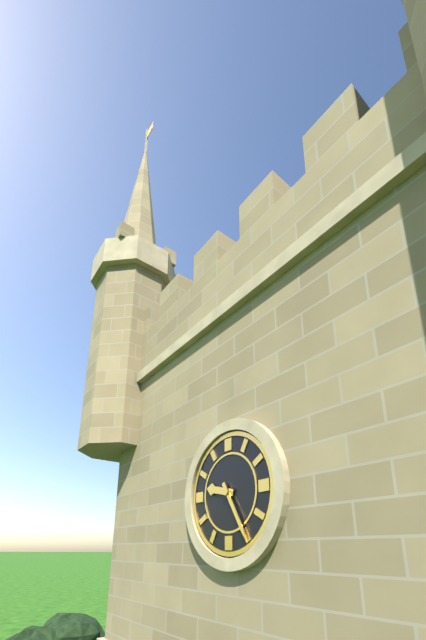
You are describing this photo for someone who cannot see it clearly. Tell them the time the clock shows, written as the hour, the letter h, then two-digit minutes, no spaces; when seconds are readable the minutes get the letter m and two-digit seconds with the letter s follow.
9h25
